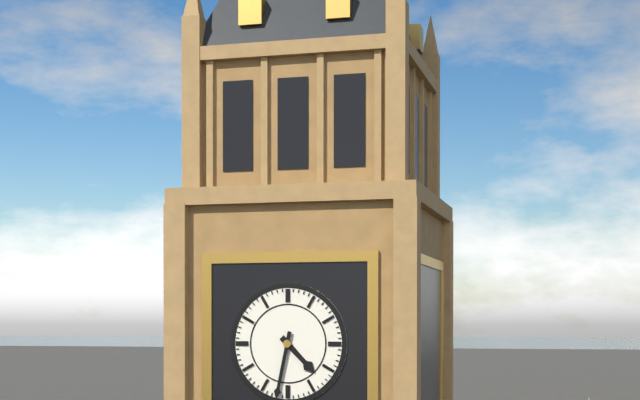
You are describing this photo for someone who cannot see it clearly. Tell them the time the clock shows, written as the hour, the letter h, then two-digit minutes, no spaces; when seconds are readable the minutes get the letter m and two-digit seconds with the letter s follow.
4h32
